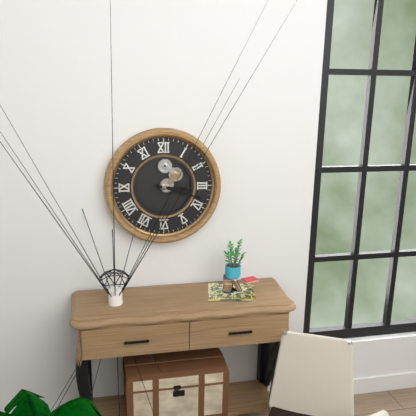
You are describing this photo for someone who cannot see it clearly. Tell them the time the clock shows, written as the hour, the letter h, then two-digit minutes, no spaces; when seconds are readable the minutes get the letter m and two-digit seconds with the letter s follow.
3h18
